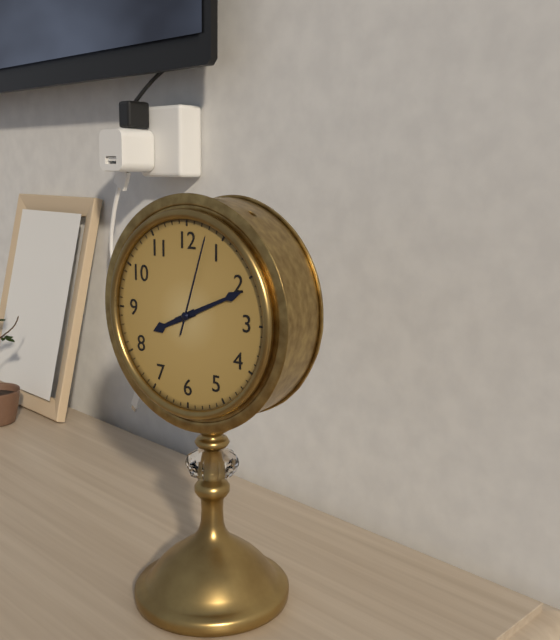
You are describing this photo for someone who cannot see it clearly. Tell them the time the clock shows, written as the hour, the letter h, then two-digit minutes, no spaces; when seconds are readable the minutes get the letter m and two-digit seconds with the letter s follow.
8h11m03s
